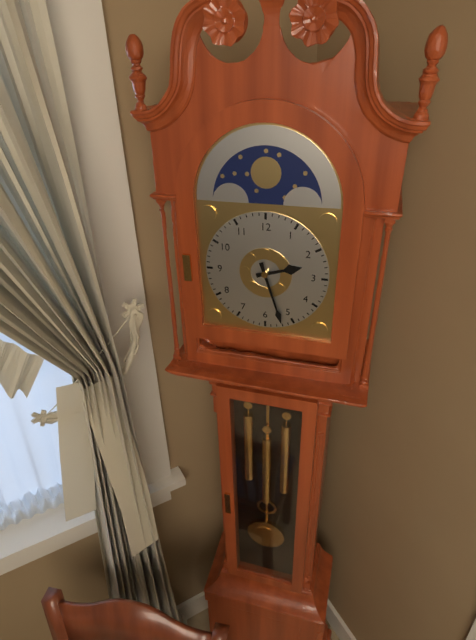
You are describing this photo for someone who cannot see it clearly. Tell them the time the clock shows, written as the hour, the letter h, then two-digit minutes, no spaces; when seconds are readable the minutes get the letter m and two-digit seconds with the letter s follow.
2h27
